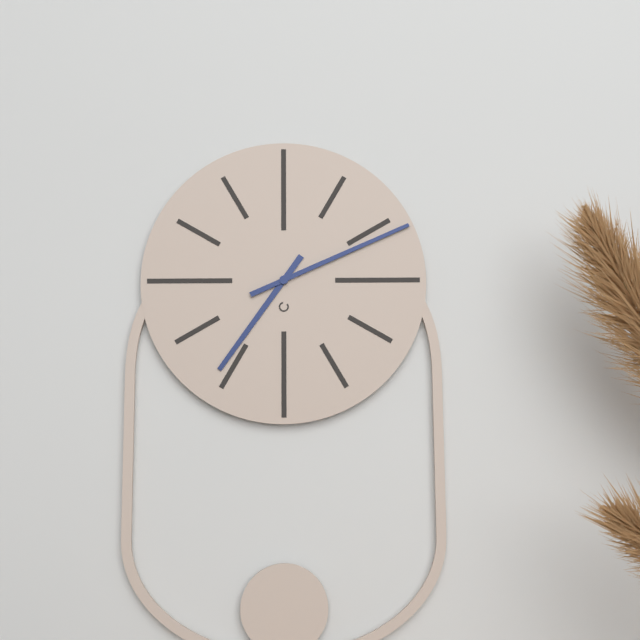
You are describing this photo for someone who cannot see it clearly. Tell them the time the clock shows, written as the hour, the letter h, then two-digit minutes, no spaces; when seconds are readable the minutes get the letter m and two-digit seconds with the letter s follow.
7h11
